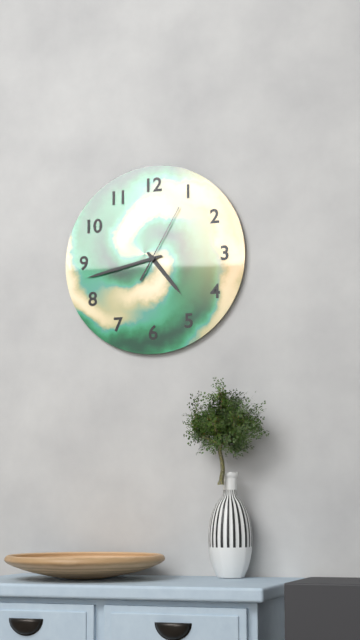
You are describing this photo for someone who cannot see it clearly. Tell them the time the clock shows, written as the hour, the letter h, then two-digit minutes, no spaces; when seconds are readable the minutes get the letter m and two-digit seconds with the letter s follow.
4h43m05s
